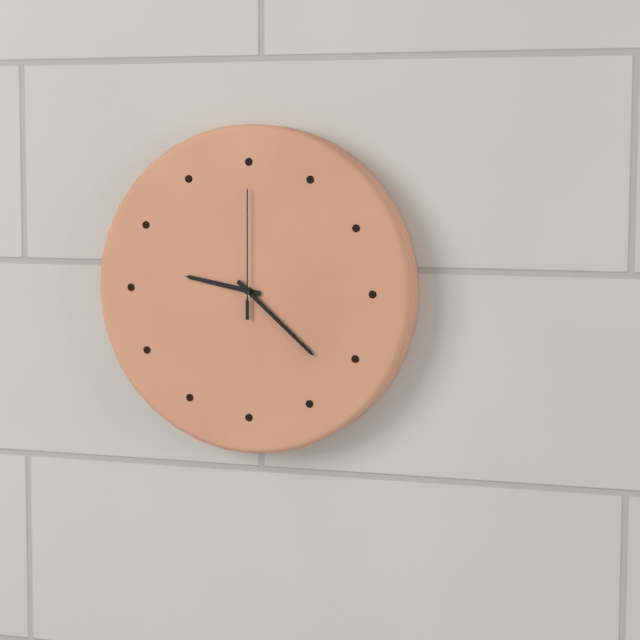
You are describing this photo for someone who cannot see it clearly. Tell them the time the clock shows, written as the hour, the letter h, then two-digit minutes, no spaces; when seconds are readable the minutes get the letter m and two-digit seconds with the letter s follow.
9h22m00s
